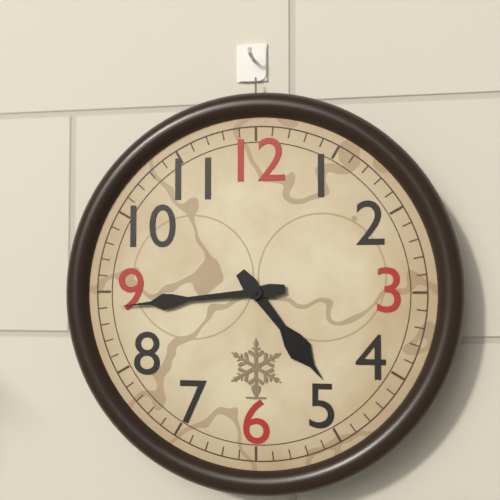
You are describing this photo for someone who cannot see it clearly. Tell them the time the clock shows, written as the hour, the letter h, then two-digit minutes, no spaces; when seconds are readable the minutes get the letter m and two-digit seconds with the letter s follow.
4h44
